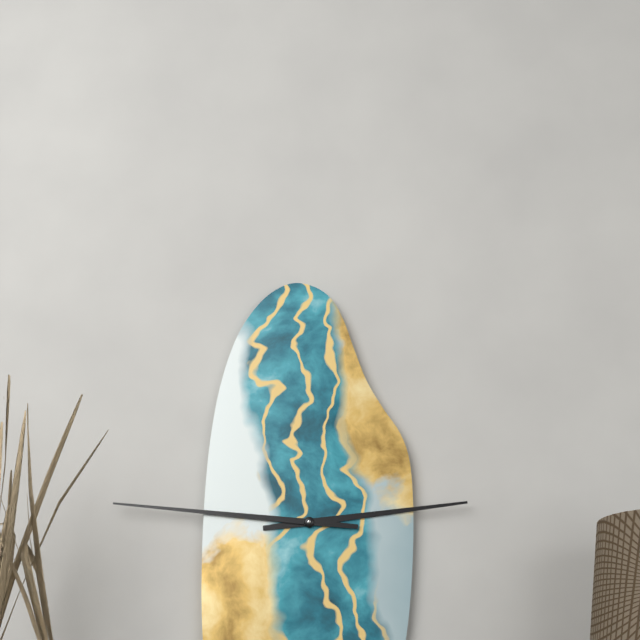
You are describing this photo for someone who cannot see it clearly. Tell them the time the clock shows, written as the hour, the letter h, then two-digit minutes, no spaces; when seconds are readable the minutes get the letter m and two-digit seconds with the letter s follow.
2h46
